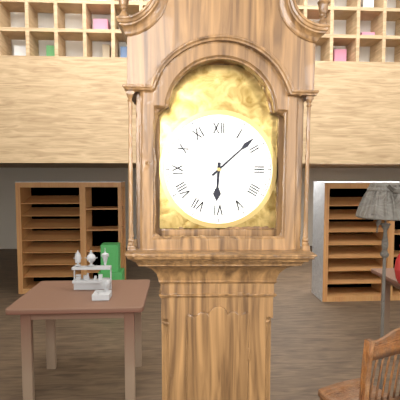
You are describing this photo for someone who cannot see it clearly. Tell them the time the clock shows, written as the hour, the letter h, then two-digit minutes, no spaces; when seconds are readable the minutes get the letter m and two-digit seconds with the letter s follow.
6h08
